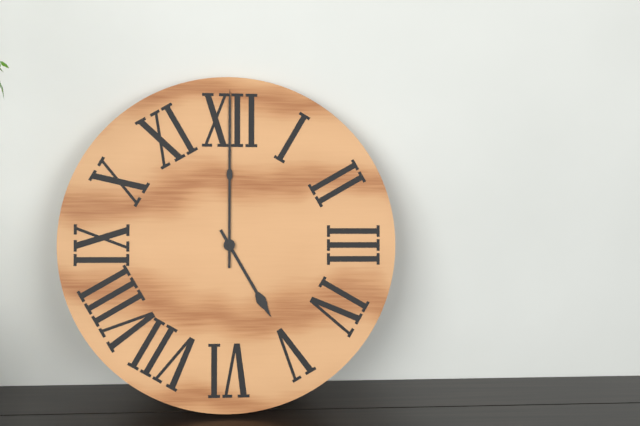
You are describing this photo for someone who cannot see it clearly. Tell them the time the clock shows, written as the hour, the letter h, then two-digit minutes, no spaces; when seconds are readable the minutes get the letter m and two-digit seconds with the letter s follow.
5h00
